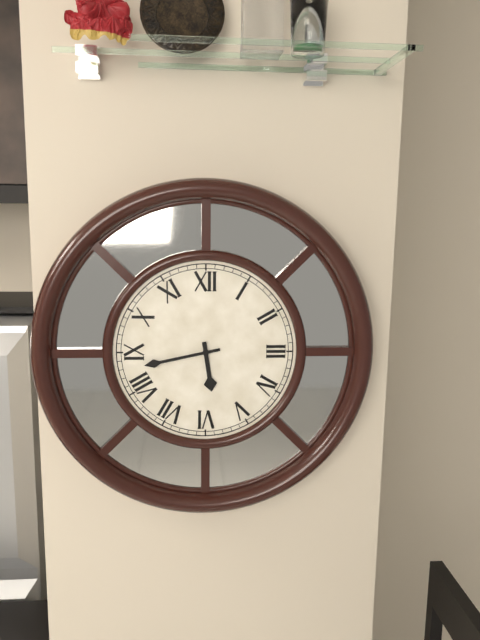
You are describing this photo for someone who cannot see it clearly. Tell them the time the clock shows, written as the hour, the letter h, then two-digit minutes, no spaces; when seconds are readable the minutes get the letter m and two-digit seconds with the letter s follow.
5h43
